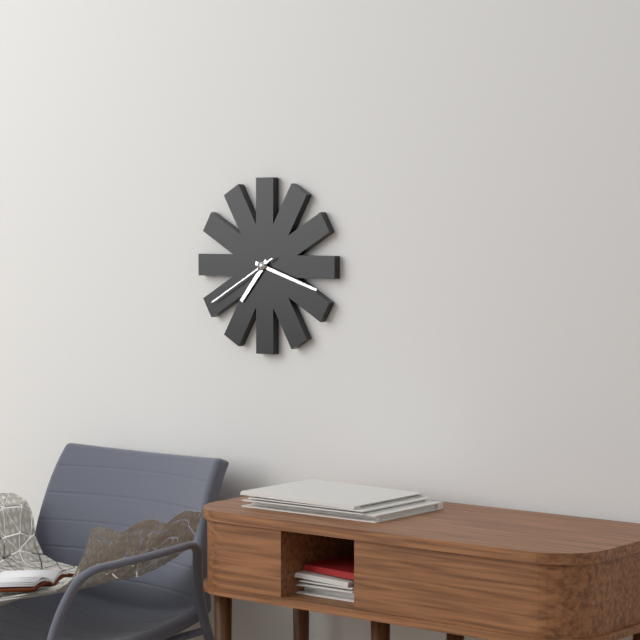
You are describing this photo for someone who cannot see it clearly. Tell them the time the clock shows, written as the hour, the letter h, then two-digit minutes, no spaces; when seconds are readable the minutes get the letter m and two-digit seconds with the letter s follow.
7h18m40s
